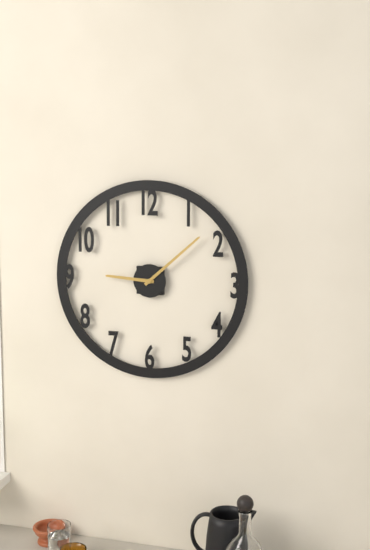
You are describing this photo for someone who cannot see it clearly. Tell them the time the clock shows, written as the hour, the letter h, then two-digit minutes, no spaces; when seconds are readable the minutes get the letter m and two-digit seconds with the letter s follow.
9h08
